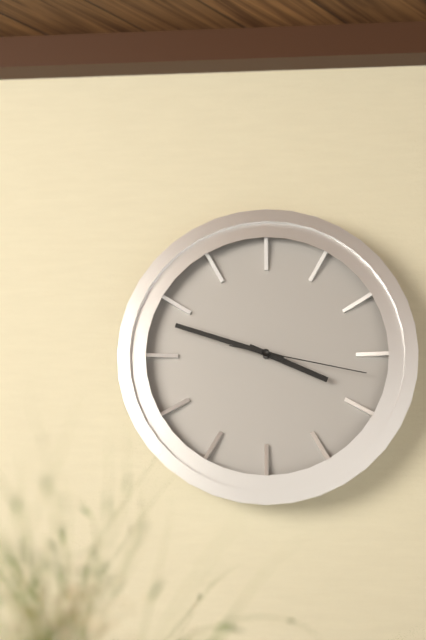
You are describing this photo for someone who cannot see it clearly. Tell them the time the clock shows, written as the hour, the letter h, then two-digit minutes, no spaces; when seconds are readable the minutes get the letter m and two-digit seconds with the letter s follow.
3h48m17s
